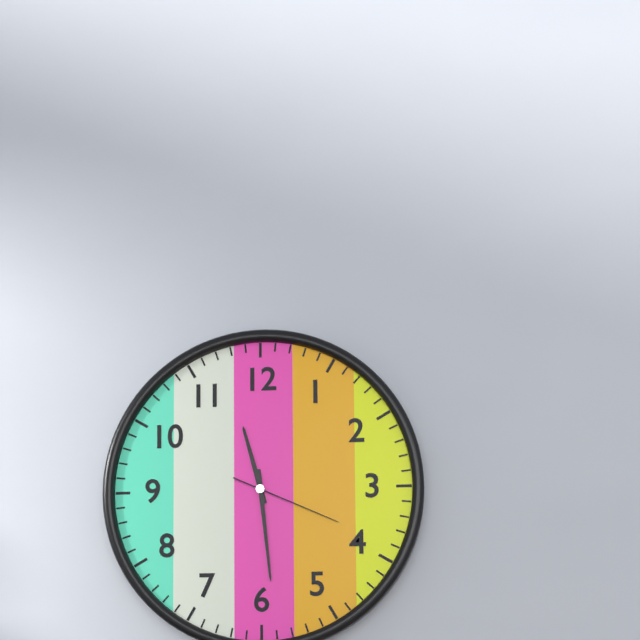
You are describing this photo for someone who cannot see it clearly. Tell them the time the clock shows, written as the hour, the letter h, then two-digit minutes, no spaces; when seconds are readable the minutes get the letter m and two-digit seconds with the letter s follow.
11h29m19s
